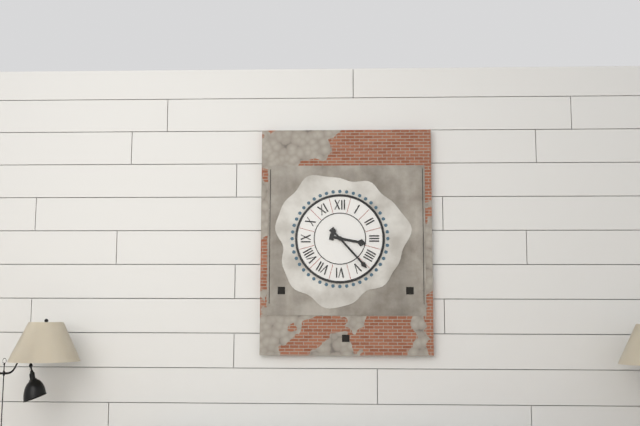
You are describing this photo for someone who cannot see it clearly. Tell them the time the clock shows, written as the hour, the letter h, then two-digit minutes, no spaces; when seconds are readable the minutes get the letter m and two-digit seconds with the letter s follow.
3h23
